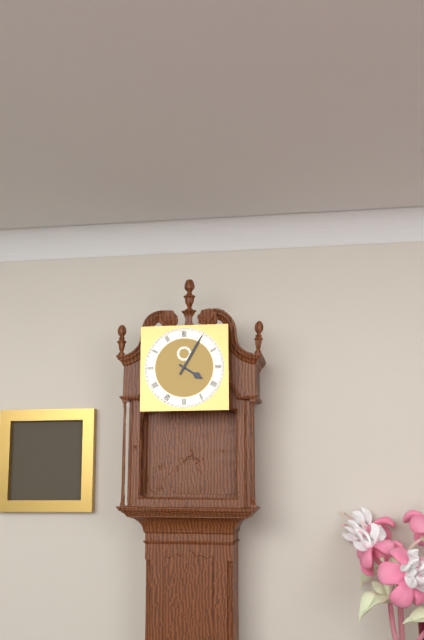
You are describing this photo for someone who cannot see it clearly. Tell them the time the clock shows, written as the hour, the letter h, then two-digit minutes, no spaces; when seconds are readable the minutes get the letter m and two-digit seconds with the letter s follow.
4h05
